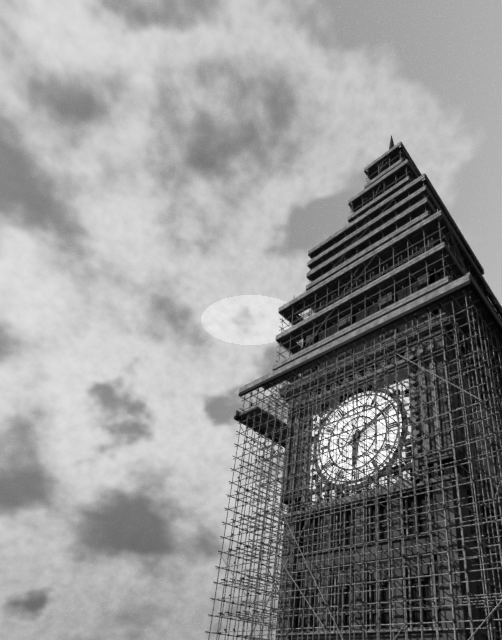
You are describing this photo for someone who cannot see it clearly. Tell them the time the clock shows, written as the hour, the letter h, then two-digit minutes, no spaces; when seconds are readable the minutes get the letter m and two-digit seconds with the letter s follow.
6h10
